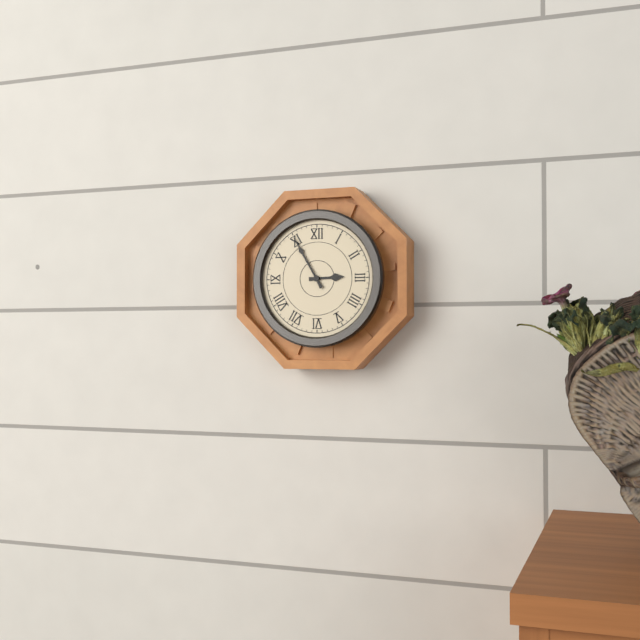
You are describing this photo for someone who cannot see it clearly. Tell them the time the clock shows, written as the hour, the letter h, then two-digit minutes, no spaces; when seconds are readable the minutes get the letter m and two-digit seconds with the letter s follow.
2h55
